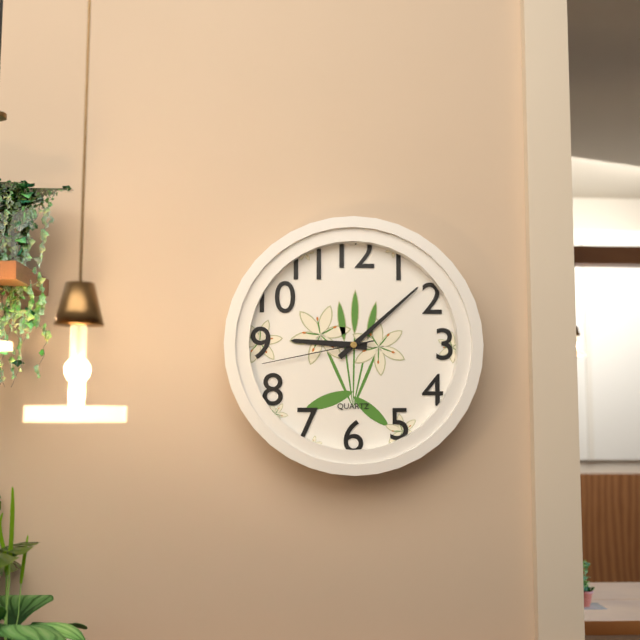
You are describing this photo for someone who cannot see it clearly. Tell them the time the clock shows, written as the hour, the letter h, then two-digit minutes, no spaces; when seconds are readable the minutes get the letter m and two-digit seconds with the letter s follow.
9h08m43s
